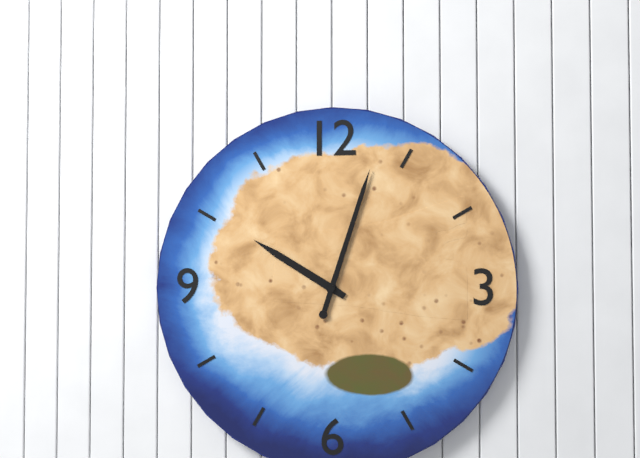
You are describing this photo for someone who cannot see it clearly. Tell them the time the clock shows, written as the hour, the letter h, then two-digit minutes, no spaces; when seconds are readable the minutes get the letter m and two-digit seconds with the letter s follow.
10h03
